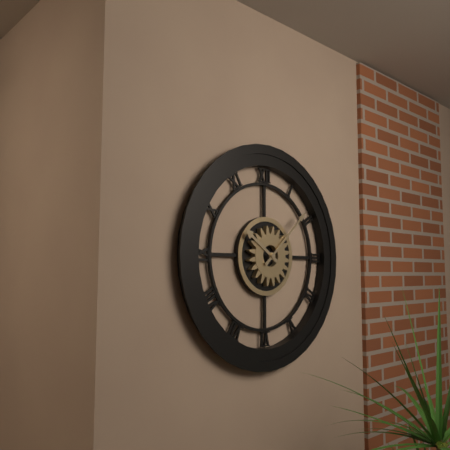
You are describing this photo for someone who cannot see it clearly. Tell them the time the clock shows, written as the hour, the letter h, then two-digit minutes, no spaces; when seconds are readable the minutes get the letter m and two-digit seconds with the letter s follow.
10h08
